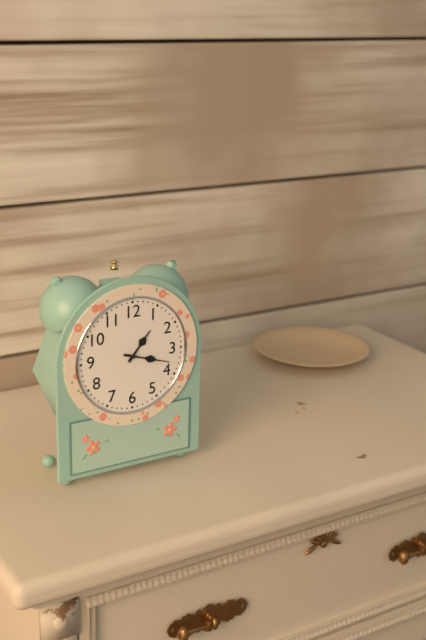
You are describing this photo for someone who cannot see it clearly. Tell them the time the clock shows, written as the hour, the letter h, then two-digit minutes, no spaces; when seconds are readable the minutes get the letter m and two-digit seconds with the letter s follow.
1h18
